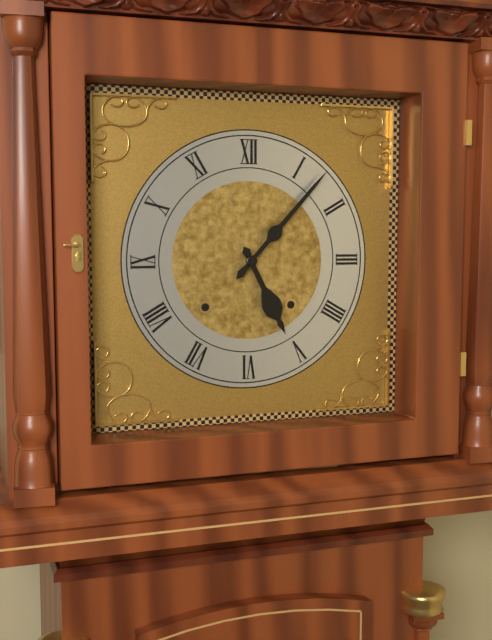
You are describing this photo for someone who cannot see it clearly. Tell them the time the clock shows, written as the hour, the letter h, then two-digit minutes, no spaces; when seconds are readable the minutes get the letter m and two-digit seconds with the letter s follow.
5h07
